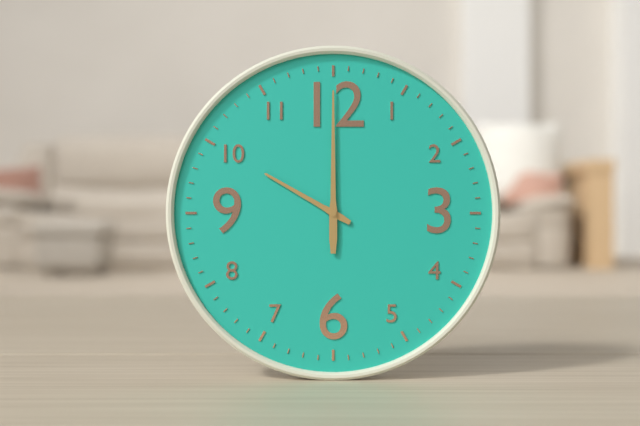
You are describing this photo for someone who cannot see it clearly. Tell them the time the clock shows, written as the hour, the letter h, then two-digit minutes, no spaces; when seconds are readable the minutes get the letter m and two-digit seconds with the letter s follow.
10h00
